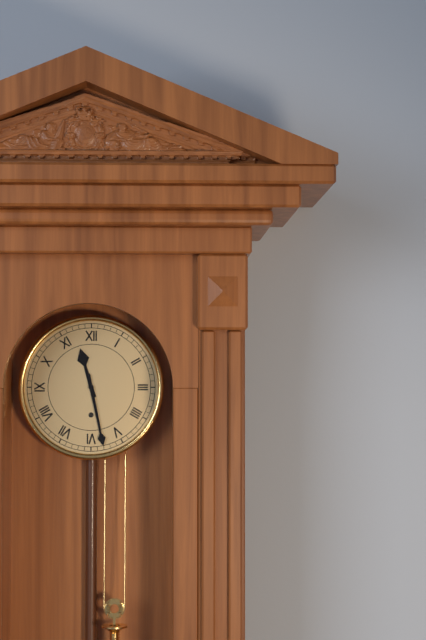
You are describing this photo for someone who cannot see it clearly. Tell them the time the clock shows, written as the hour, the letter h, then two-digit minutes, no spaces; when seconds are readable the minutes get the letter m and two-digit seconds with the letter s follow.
11h28
